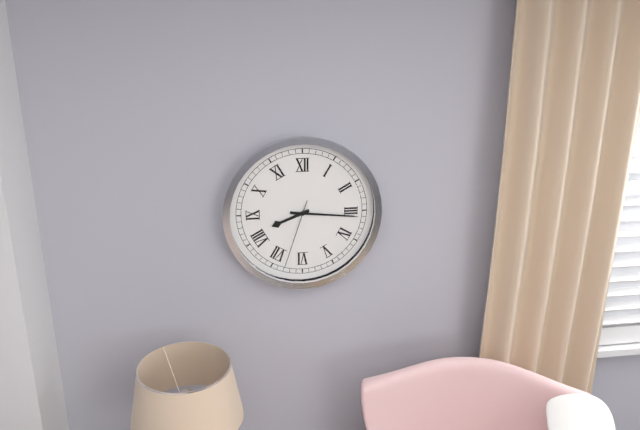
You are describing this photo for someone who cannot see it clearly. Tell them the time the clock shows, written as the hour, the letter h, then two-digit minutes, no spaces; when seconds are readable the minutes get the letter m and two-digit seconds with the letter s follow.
8h16m33s
